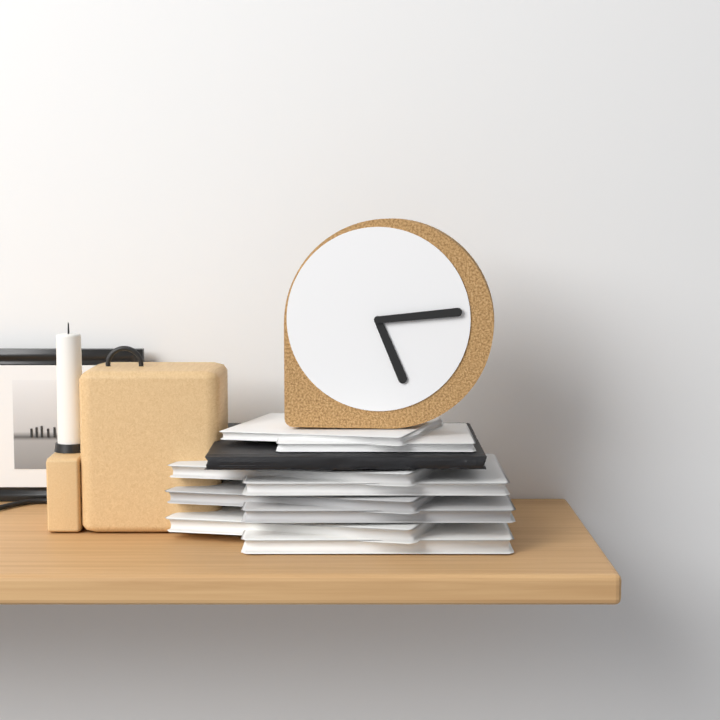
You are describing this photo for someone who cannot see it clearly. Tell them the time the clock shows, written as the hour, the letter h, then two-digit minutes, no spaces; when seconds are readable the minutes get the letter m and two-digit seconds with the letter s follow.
5h14
